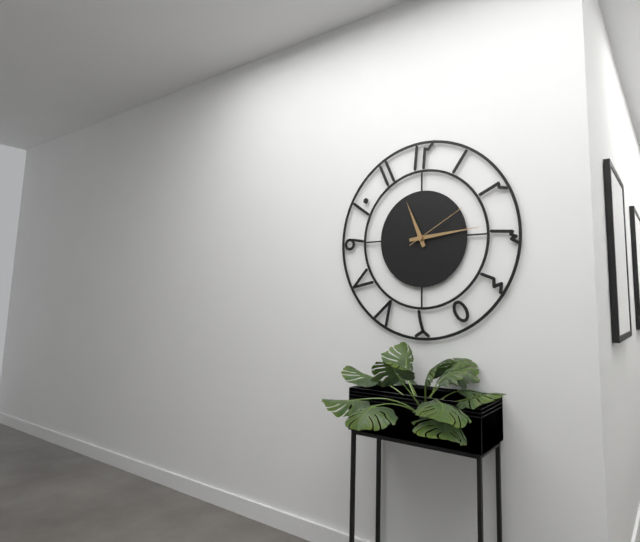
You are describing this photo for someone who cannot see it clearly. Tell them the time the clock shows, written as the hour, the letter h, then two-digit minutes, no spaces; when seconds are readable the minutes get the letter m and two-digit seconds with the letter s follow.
11h14m10s
